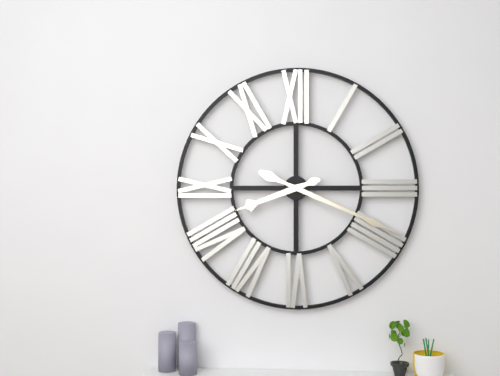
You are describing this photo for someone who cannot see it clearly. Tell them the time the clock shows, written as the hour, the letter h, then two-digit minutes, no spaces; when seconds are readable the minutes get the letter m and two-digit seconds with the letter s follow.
8h19
